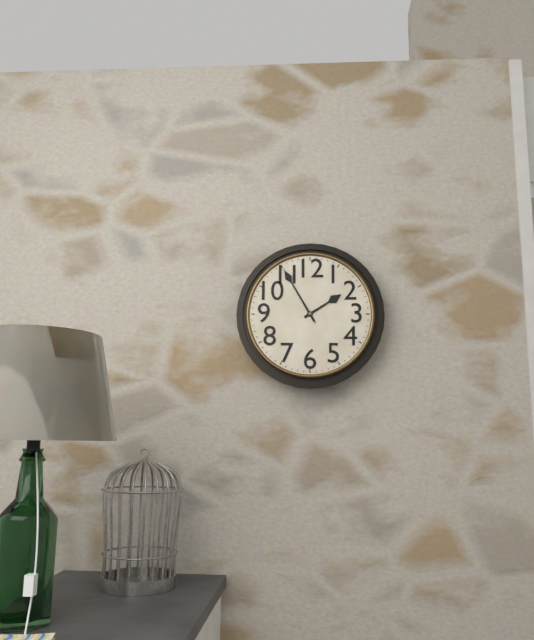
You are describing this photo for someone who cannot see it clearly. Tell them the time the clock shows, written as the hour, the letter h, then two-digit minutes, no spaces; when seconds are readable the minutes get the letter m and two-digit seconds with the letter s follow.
1h55m55s
